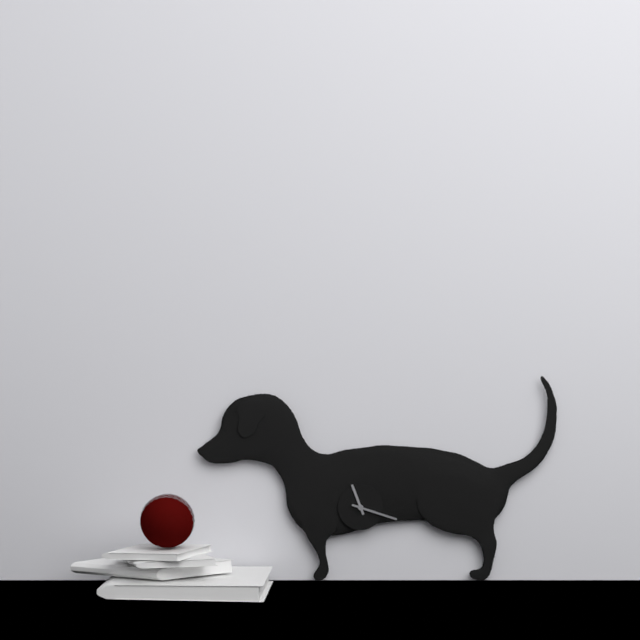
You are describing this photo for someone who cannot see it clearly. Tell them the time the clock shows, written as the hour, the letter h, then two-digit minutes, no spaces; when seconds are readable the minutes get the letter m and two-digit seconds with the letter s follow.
11h18
